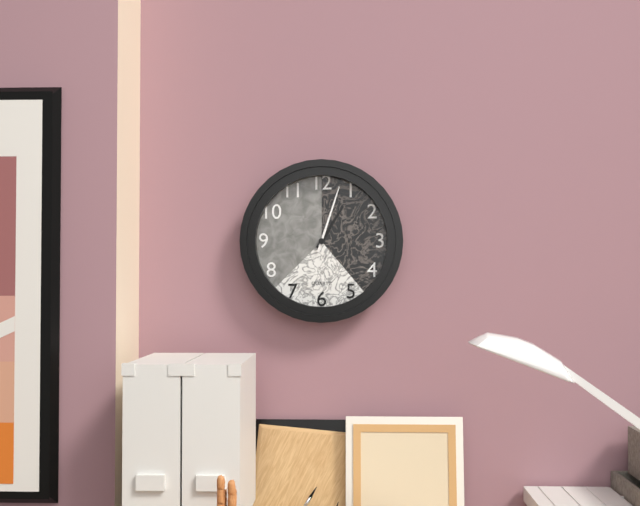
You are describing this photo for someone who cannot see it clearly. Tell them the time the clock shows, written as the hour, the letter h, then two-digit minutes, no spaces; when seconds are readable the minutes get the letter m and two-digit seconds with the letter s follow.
1h03
